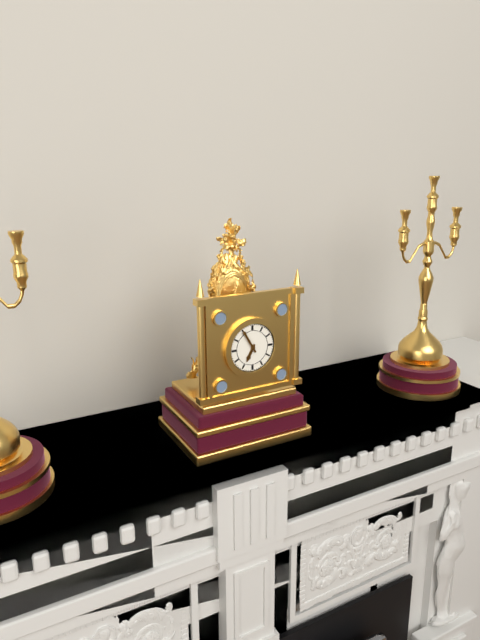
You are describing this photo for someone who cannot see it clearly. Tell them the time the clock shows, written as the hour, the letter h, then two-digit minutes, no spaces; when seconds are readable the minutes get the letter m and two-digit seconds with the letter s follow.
6h55
